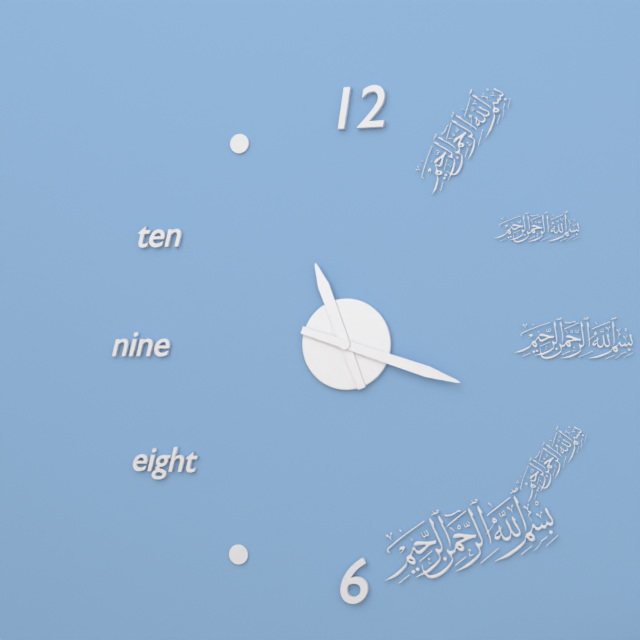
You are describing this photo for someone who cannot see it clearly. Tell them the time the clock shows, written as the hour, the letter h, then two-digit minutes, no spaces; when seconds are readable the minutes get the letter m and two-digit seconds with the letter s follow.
11h18
